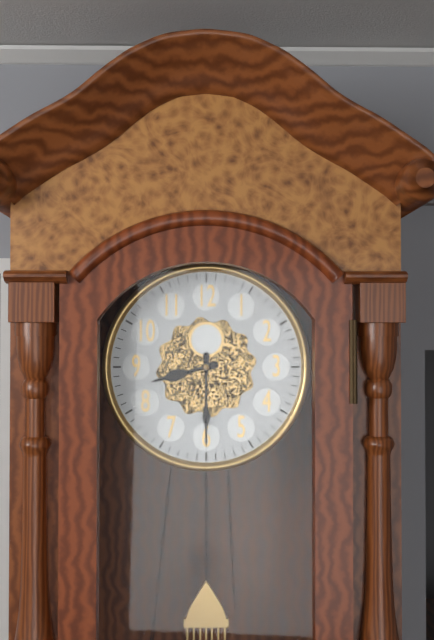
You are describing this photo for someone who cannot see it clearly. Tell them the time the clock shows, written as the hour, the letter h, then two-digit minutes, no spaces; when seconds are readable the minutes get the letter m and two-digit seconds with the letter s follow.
8h30
